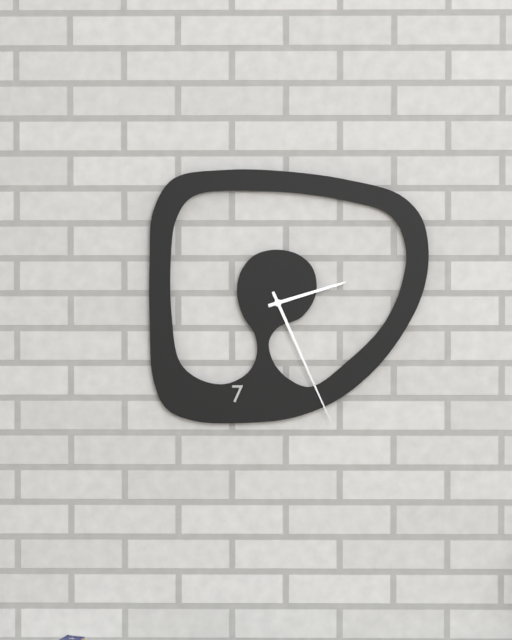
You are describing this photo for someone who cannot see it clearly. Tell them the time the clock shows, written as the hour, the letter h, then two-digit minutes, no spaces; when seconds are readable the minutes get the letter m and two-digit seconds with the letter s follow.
2h26
